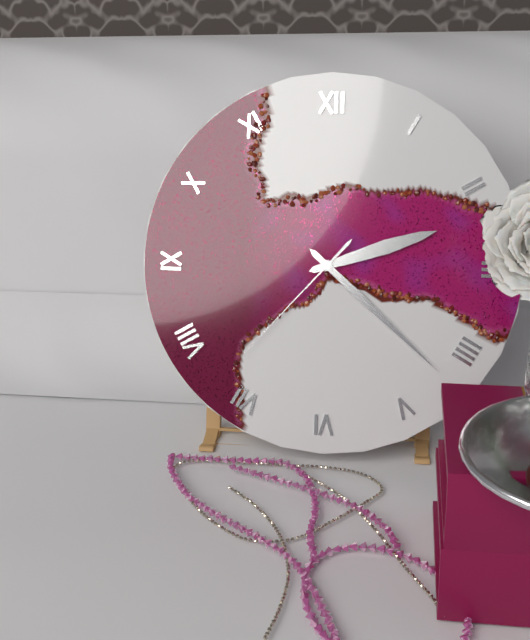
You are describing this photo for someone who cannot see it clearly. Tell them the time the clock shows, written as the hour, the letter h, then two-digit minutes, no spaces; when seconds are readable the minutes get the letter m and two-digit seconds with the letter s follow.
2h22m37s
